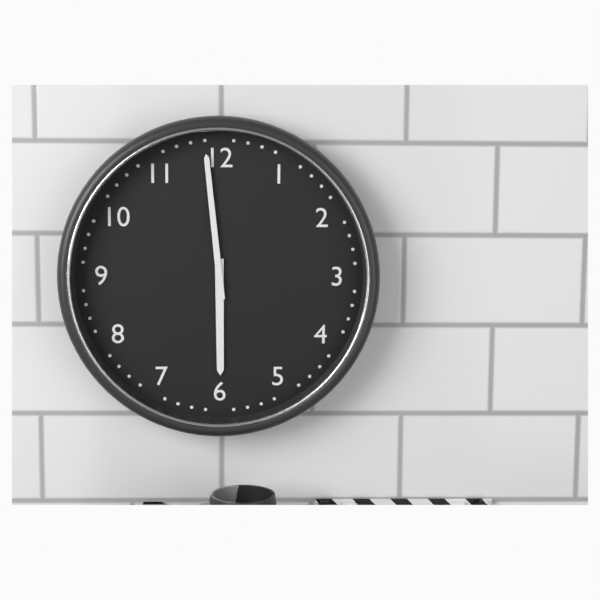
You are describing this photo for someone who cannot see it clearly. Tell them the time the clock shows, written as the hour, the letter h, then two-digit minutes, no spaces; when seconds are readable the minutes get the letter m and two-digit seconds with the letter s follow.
5h59
